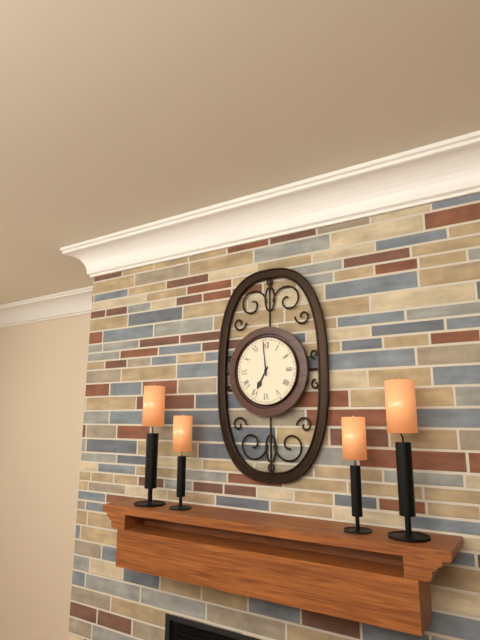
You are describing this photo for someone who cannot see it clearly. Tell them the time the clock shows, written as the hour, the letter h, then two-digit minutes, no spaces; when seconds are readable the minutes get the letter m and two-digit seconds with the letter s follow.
6h59
